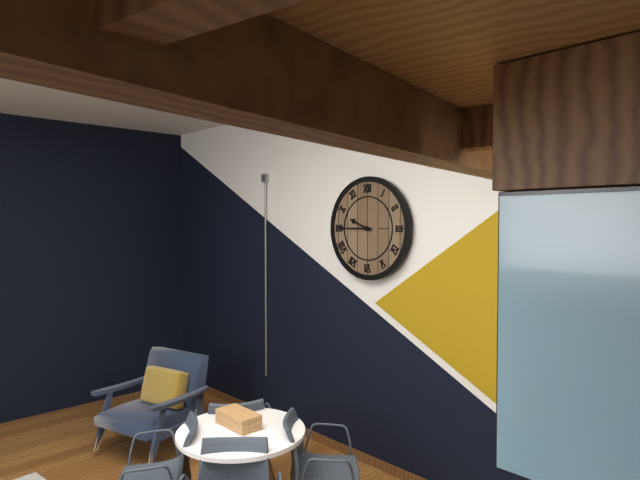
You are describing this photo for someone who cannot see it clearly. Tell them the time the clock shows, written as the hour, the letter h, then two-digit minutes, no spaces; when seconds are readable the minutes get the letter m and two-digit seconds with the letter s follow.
9h45
